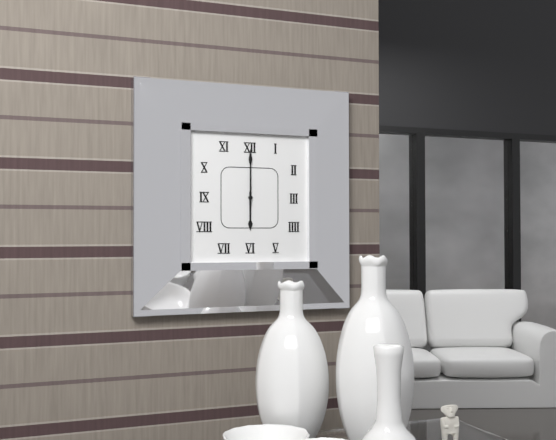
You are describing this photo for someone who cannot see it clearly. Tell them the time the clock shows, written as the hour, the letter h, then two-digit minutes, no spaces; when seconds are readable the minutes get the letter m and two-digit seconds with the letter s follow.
6h00
